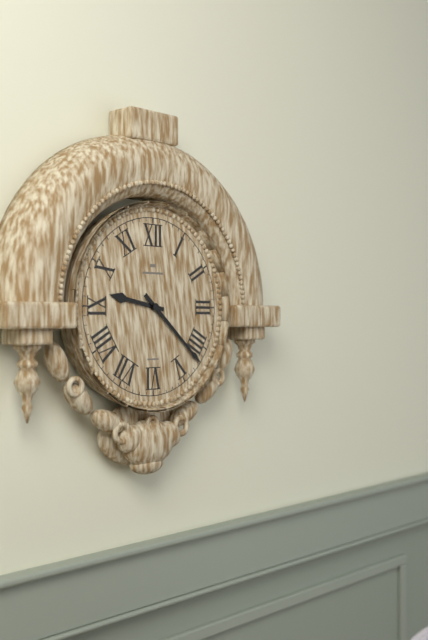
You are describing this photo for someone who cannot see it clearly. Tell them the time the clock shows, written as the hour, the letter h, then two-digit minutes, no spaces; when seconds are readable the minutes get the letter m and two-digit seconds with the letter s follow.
9h22
